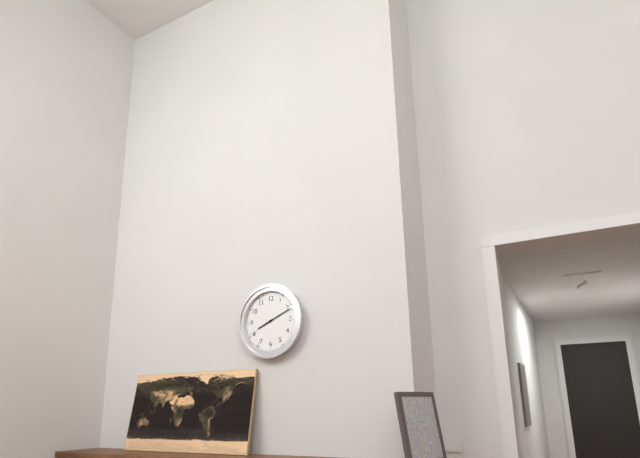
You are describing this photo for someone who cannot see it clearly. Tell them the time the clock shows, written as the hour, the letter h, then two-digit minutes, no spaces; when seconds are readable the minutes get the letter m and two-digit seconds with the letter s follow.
8h11
